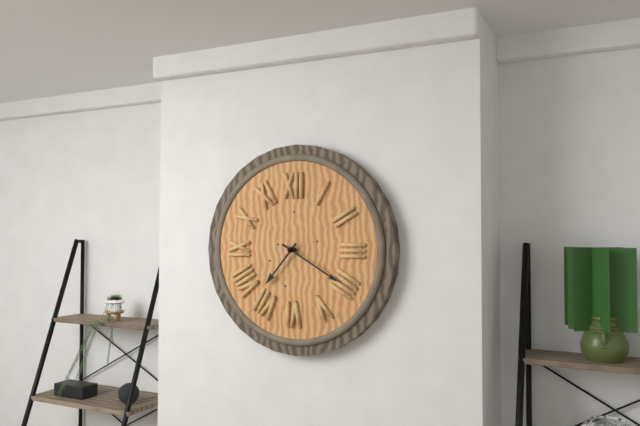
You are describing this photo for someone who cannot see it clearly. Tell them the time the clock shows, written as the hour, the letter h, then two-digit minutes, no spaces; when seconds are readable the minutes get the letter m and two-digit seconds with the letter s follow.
7h20
